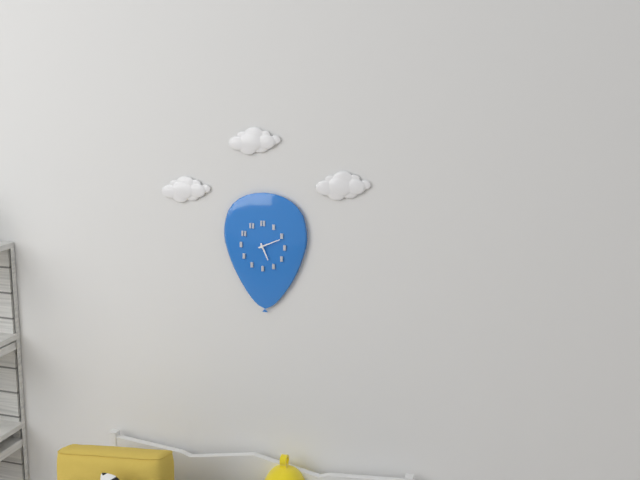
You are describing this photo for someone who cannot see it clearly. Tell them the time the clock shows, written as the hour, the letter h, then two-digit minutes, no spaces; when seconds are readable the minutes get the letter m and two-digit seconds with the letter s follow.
5h11
